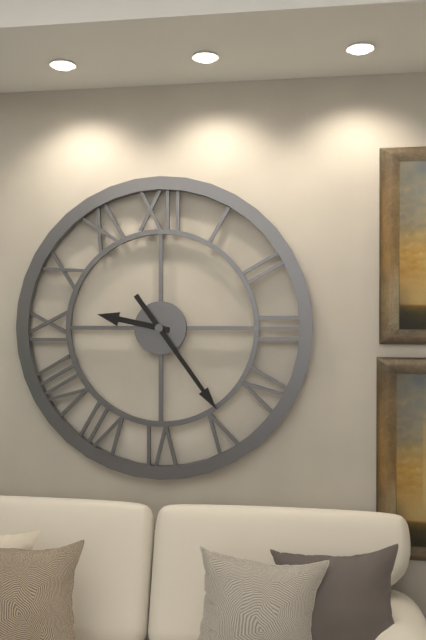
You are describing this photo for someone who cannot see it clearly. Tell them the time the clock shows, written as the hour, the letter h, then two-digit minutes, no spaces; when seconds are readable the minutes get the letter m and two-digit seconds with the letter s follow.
9h24
